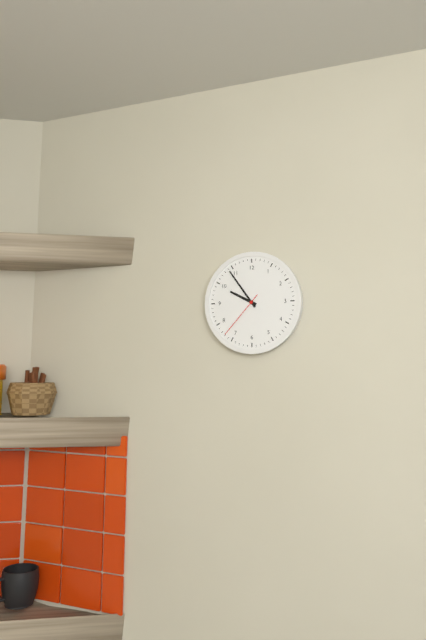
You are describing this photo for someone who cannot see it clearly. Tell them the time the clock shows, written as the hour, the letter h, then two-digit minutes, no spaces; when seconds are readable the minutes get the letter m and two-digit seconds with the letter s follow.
9h54m37s
